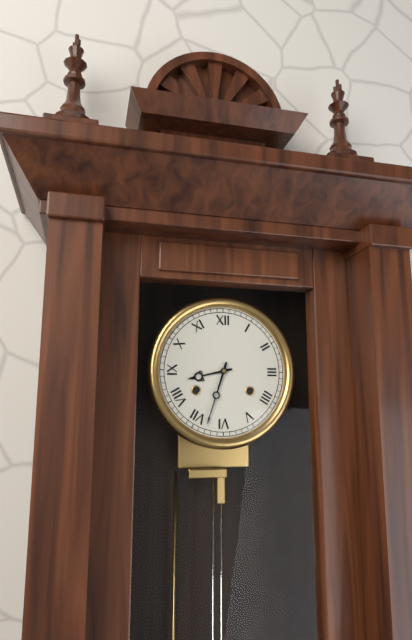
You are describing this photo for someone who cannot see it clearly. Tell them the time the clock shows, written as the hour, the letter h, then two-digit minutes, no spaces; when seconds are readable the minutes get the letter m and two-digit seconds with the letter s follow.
8h33
